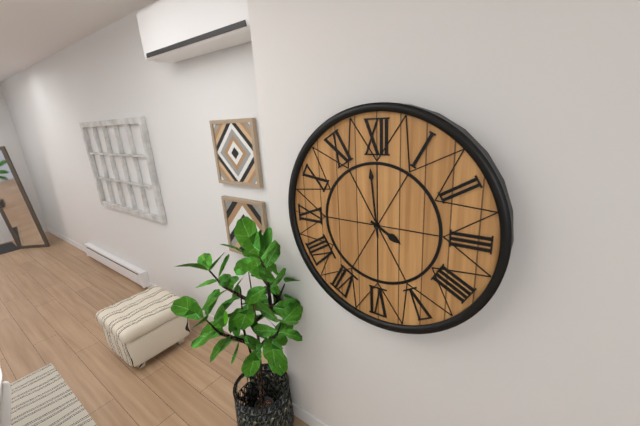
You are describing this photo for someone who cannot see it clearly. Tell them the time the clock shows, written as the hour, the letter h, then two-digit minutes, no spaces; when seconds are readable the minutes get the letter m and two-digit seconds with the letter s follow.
3h59
